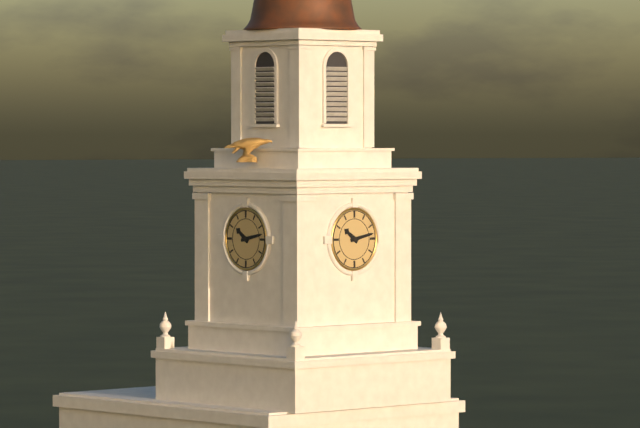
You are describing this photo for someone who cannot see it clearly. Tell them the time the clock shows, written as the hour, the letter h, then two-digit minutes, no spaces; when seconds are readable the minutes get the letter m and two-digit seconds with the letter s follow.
10h13
